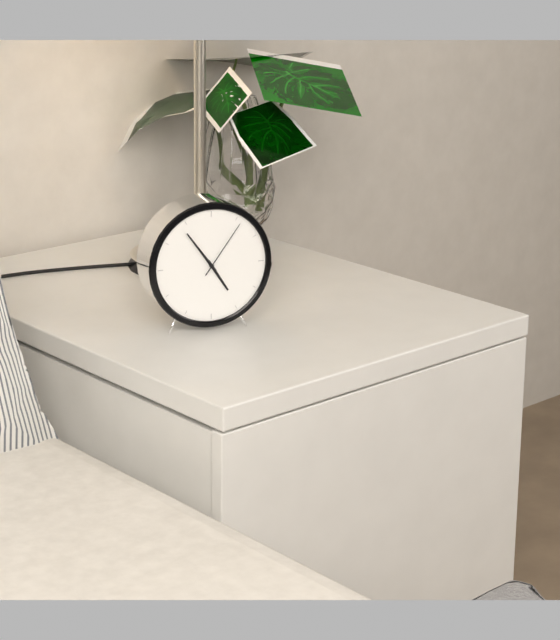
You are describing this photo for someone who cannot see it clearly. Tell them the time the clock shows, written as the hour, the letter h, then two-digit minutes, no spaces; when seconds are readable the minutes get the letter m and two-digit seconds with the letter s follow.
4h54m06s
